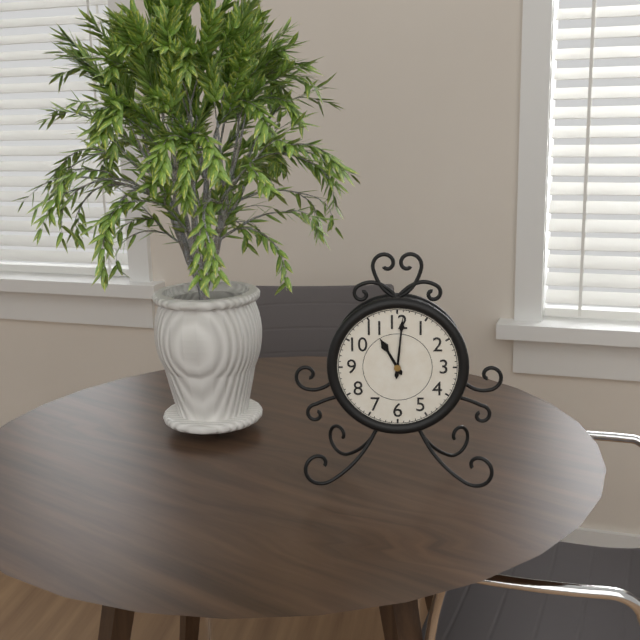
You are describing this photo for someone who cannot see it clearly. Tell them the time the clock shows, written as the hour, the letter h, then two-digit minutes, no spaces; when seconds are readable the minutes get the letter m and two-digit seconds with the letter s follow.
11h01
